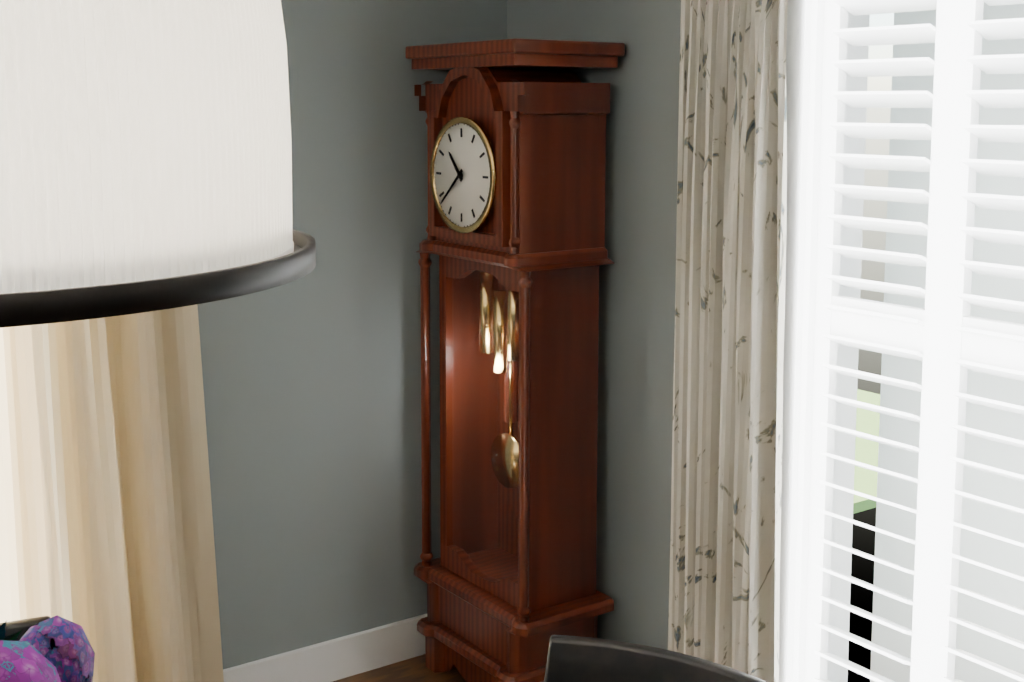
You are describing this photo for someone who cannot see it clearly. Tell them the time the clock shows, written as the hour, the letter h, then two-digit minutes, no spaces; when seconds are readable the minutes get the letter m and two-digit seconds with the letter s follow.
10h38
